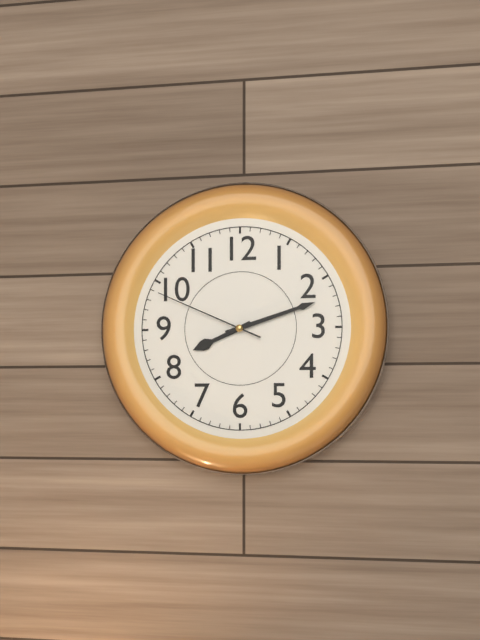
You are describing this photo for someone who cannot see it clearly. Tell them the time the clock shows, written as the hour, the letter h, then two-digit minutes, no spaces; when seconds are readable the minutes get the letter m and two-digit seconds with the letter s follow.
8h12m49s
